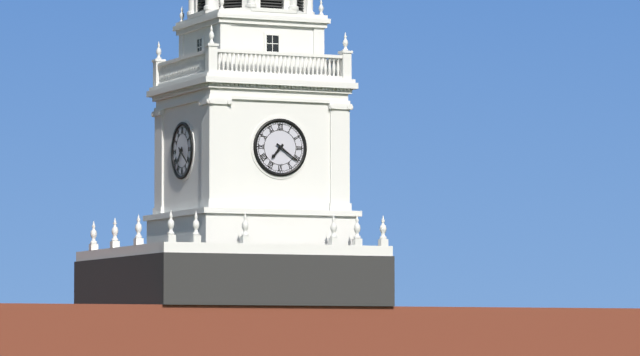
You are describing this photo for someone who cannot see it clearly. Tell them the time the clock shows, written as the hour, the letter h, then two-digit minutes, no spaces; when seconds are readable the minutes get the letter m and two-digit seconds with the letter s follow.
7h21
